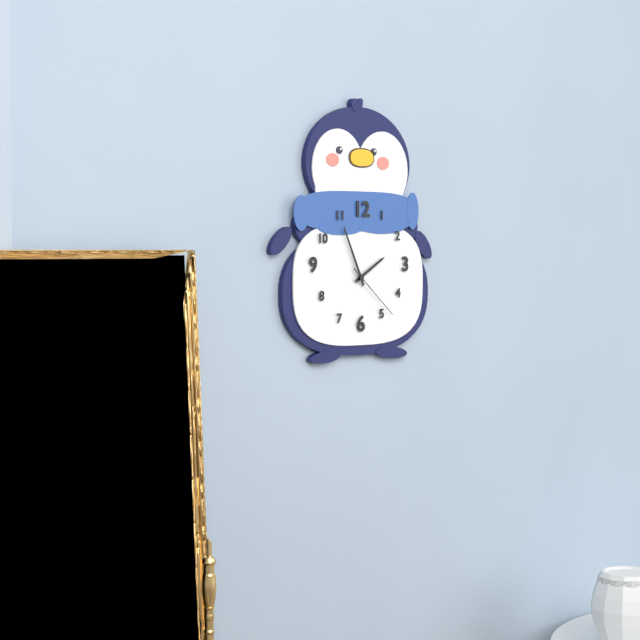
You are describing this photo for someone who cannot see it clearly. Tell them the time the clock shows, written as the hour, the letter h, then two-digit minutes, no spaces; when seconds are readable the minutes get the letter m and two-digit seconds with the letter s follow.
1h56m22s
